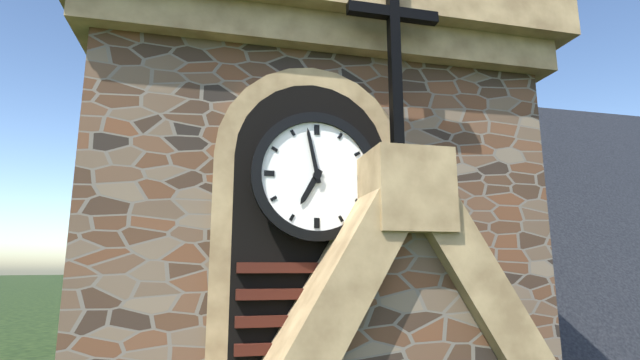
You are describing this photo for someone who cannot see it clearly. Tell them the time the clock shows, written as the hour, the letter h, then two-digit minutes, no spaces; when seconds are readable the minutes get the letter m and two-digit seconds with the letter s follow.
6h58
